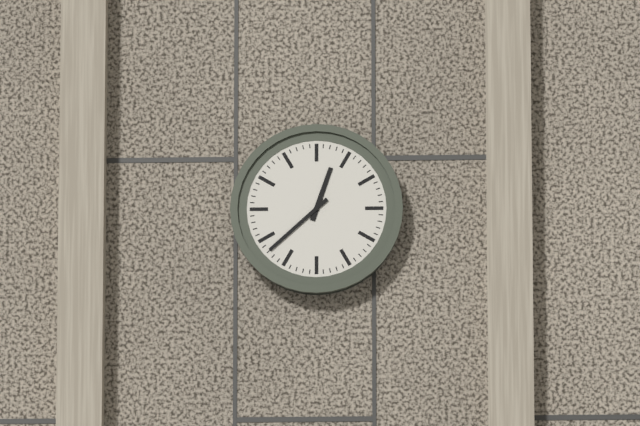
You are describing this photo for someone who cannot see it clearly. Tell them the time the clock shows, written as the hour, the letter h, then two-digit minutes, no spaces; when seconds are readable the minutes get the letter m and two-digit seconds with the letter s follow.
12h38
